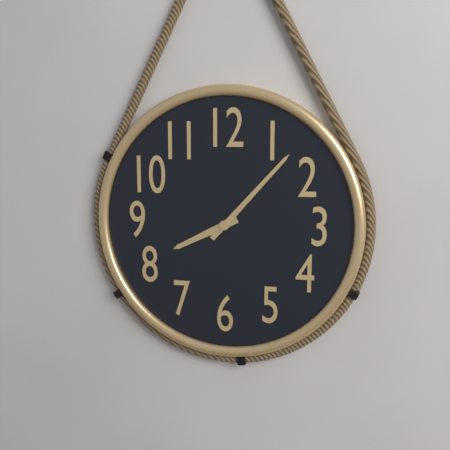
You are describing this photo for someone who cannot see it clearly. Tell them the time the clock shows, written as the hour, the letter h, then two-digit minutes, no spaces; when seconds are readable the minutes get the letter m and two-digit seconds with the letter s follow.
8h07
